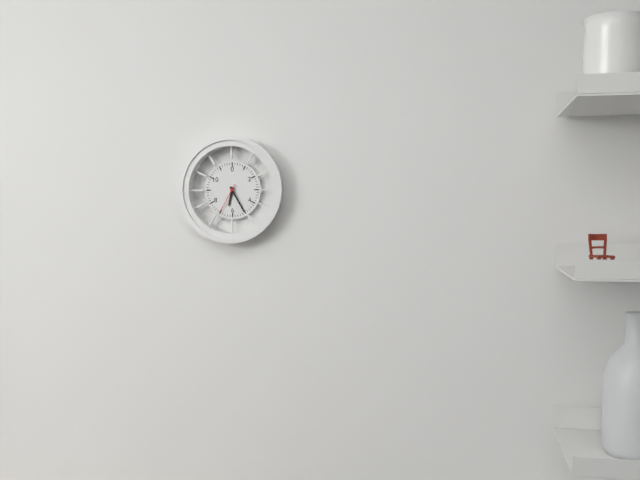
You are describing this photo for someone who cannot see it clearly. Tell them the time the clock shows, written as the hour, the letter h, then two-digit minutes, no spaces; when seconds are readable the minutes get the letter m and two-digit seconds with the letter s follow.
6h25
